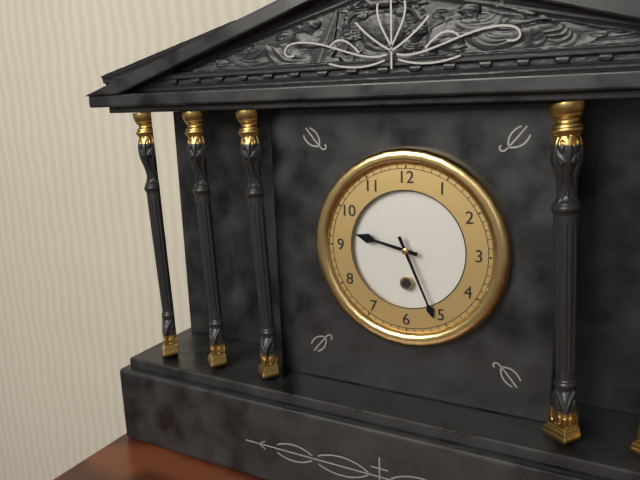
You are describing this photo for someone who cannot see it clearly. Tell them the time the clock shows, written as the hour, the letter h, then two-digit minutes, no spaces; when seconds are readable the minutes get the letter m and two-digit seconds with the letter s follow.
9h26
